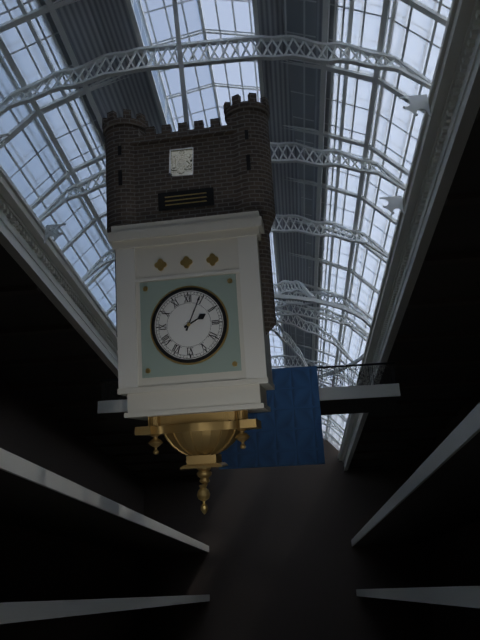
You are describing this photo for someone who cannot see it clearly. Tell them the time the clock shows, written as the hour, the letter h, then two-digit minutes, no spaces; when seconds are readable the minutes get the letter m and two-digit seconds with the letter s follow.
2h04
